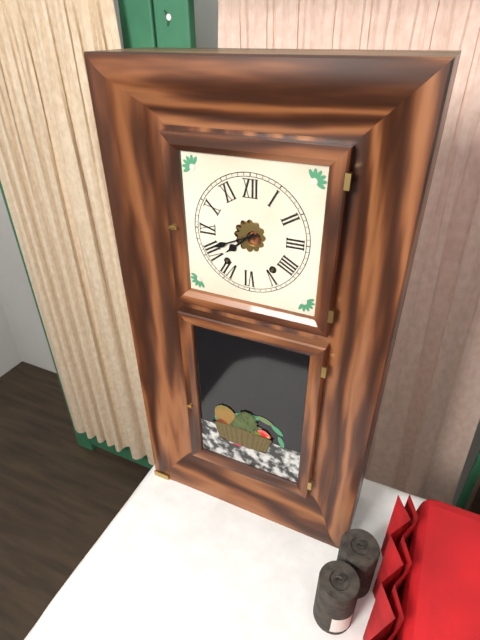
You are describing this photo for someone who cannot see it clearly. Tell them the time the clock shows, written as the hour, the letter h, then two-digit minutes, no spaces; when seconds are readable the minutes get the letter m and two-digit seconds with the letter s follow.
7h41
